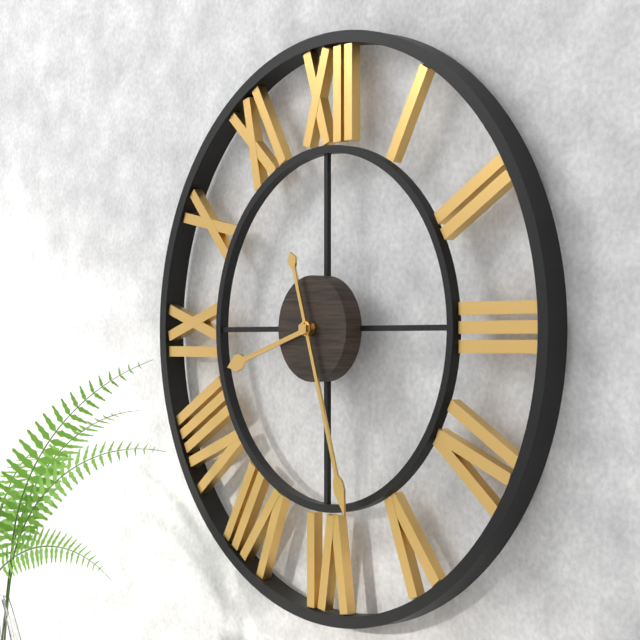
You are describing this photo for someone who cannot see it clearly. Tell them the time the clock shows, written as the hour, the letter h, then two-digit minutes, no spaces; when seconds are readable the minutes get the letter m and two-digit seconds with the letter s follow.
8h27
